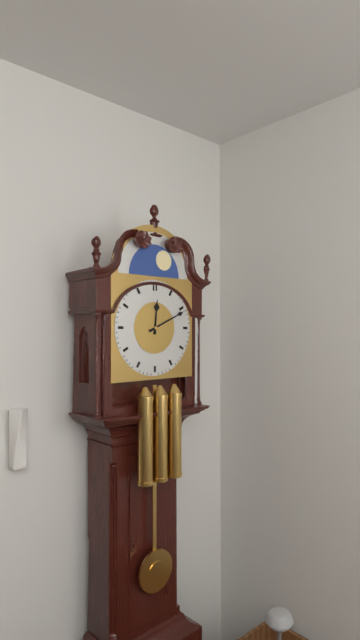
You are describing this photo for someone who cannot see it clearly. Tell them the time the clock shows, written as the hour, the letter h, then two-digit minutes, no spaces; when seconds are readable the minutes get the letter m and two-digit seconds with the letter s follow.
12h11
